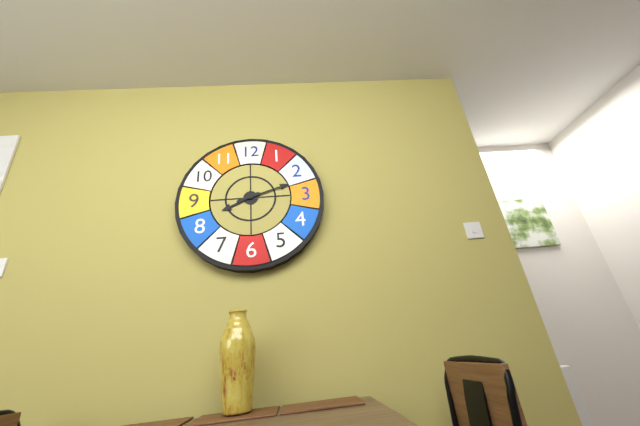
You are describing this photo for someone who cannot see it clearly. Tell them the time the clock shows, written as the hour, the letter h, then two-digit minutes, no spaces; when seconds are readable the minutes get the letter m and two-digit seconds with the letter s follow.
8h12
